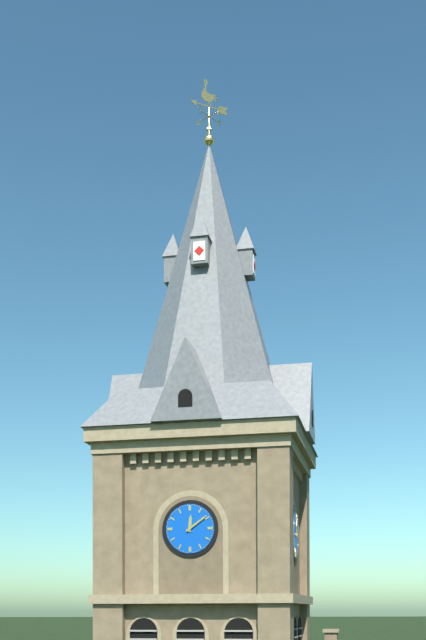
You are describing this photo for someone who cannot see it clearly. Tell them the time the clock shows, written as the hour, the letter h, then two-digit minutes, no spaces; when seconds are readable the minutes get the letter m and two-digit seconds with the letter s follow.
12h09
